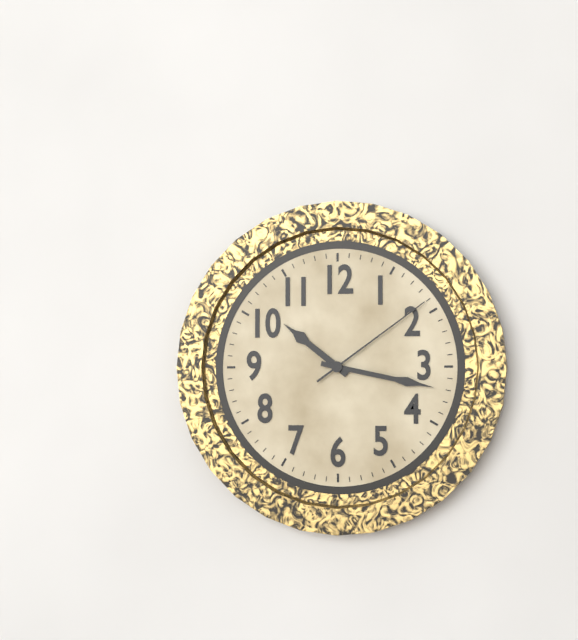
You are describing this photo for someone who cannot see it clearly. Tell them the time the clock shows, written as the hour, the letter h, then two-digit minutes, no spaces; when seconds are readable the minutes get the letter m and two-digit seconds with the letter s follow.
10h17m09s
